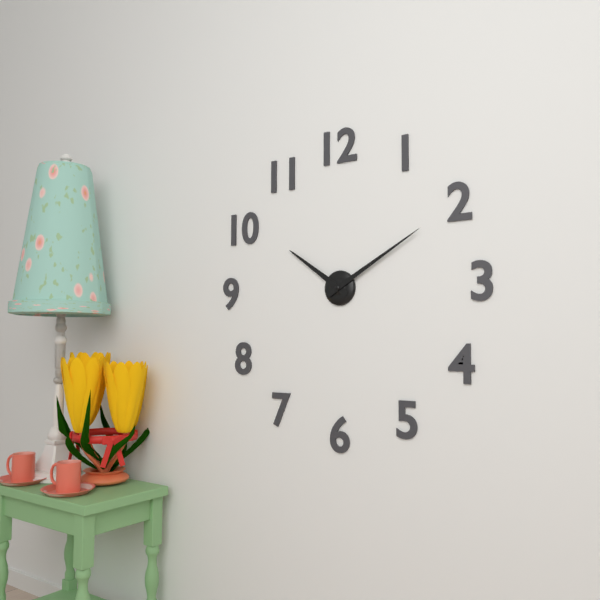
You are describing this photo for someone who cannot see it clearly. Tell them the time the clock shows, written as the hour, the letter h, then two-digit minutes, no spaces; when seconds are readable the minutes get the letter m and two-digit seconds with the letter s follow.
10h10
